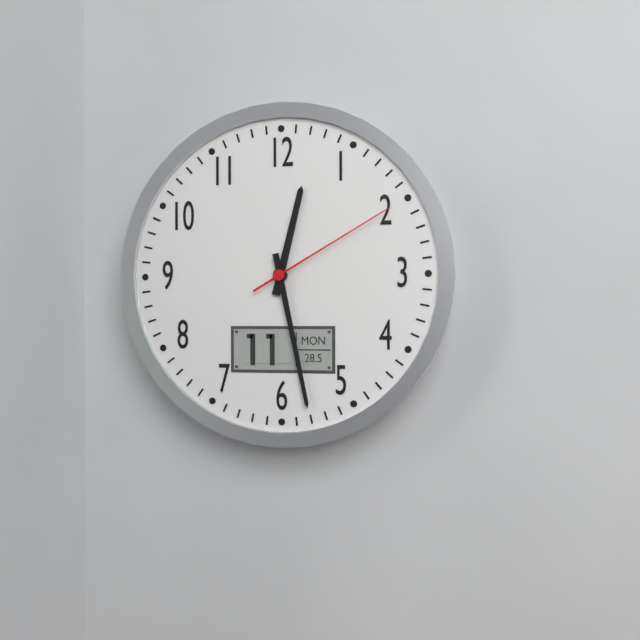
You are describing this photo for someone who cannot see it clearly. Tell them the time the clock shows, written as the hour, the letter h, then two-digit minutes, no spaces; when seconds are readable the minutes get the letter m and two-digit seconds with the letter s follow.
12h28m10s
